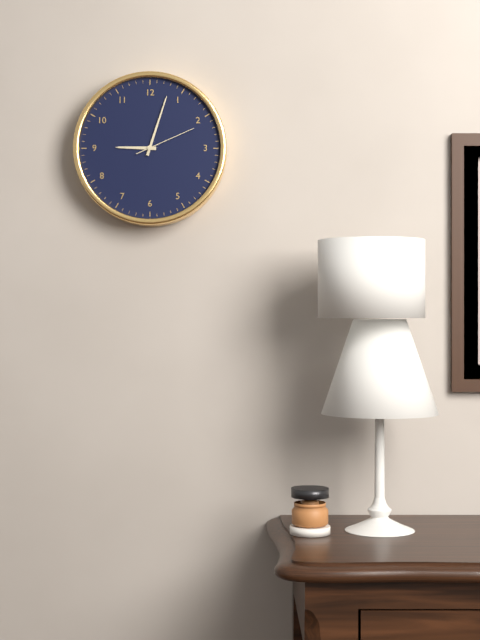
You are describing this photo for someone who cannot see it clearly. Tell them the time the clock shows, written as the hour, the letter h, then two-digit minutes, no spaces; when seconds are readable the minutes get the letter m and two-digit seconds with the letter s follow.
9h03m11s
